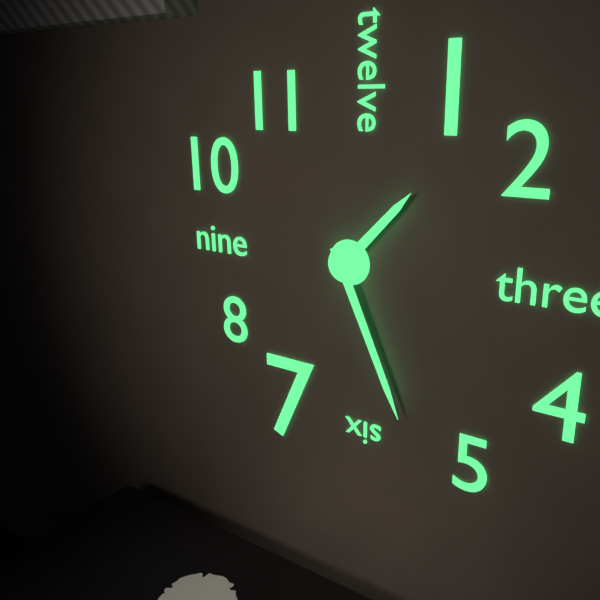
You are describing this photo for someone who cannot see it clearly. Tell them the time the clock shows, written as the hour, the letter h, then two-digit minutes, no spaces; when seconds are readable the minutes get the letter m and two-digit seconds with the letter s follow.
1h26
